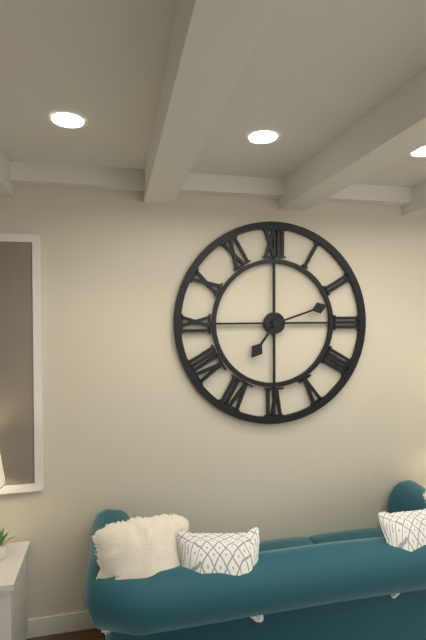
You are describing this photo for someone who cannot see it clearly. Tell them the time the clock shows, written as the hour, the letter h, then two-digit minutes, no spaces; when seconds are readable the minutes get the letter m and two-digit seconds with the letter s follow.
7h12
